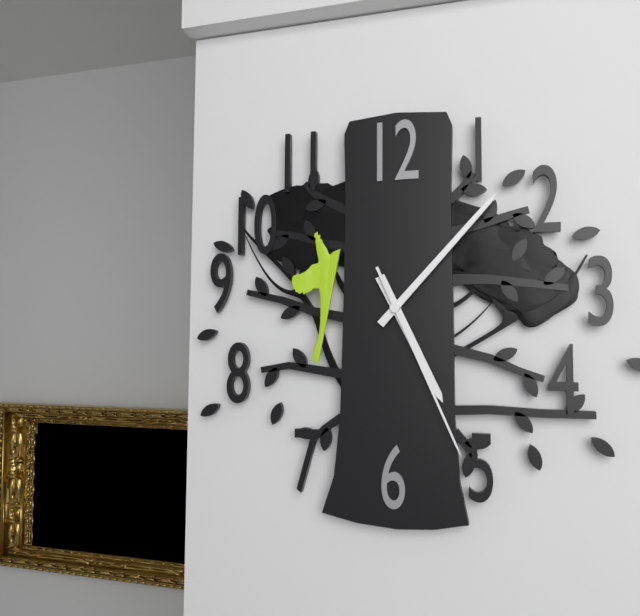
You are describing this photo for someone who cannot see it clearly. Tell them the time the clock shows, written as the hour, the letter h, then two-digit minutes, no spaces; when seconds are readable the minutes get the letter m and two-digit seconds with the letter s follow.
5h07m26s
